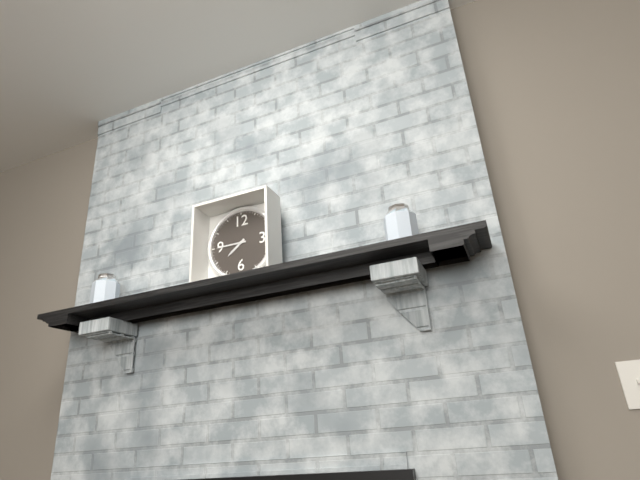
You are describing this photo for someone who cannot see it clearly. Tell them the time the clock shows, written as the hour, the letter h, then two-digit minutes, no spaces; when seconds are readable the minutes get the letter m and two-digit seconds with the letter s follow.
7h45
